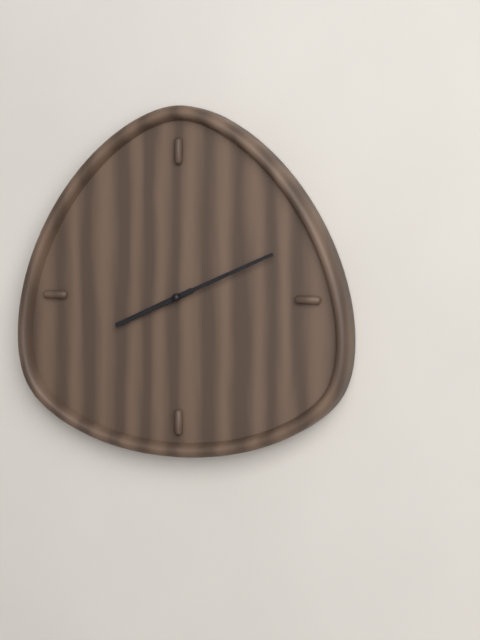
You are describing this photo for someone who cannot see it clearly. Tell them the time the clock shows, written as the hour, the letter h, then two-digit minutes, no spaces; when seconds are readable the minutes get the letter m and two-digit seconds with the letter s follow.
8h11
